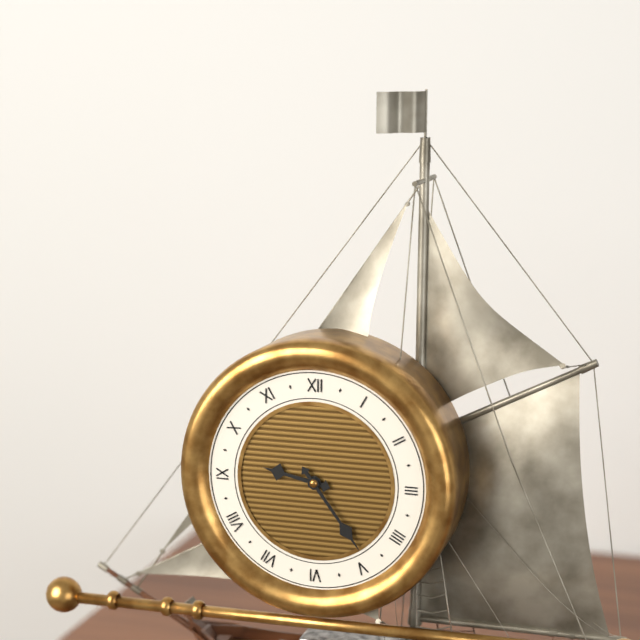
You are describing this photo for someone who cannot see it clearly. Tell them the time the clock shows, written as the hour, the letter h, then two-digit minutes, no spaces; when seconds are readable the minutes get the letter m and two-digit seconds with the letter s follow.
9h24
